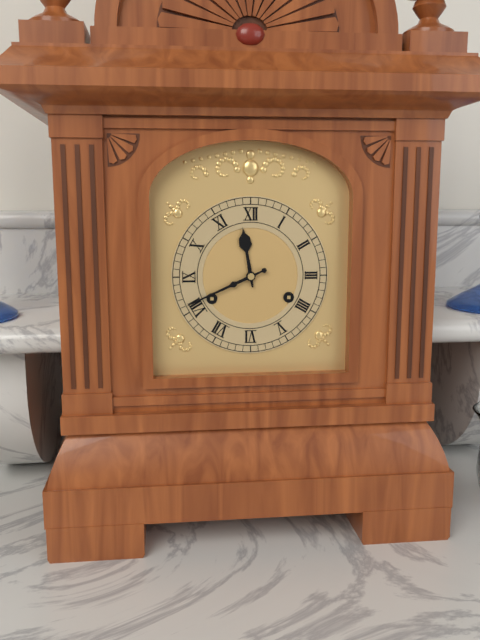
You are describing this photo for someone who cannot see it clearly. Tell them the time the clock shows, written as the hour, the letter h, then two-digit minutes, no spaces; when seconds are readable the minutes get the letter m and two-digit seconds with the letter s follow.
11h41
